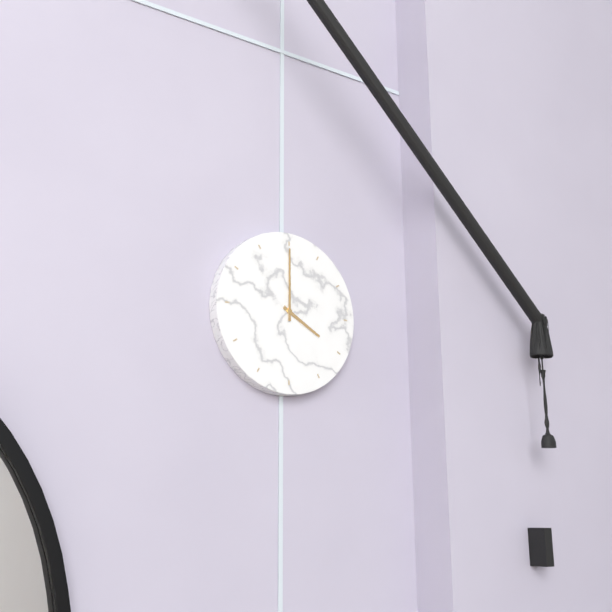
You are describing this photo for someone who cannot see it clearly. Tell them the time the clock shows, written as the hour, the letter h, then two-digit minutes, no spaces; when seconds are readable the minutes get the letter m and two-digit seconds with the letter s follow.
4h00
